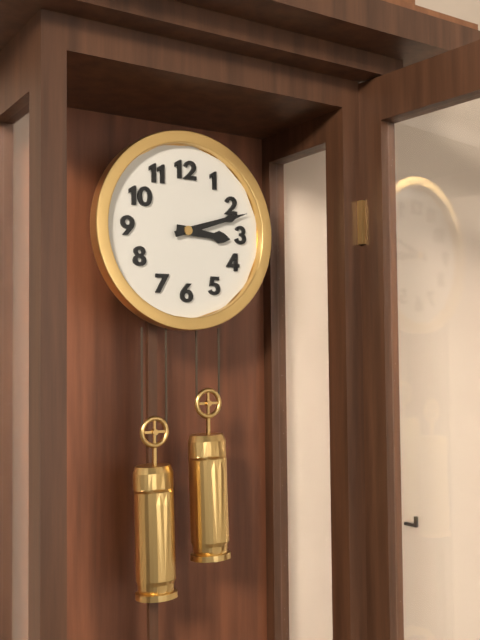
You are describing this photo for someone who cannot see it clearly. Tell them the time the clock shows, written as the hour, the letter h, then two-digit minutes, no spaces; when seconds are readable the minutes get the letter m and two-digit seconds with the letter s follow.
3h12
